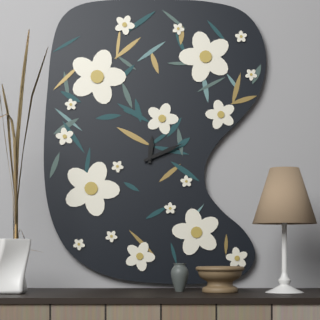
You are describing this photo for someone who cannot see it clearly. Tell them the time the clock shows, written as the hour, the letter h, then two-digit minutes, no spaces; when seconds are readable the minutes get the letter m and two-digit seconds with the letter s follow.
12h11
